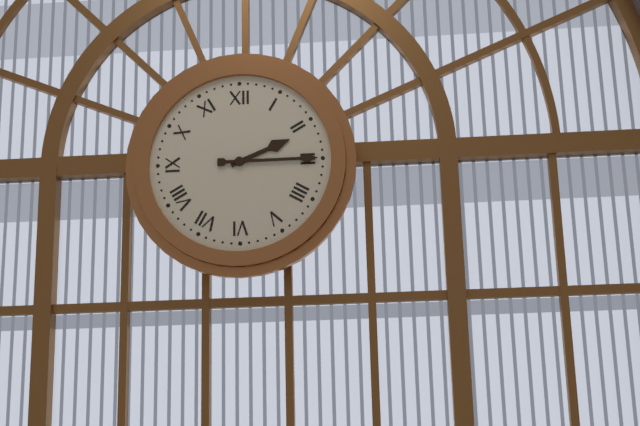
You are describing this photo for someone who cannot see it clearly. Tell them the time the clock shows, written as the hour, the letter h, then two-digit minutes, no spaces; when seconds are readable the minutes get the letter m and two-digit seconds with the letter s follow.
2h15
